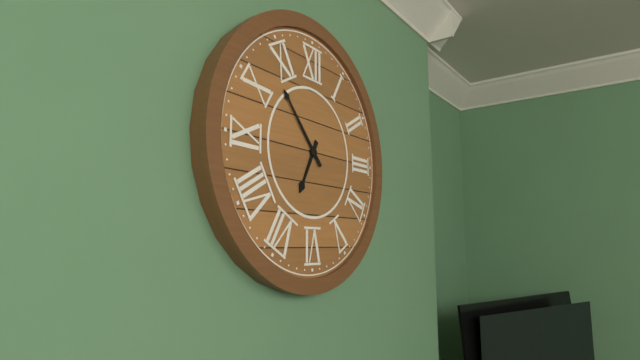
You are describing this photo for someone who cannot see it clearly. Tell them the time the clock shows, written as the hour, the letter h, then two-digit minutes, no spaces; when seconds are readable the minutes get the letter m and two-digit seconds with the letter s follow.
6h53
